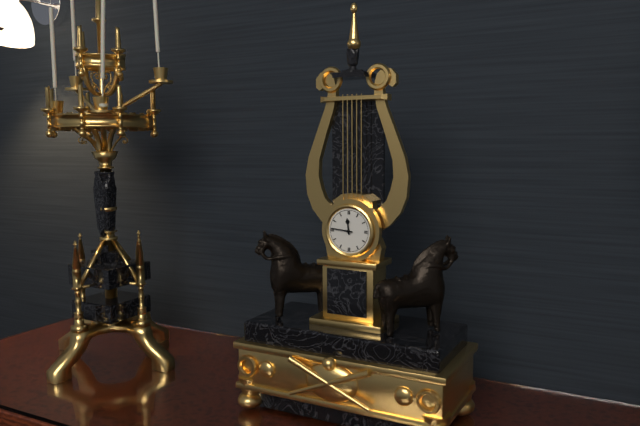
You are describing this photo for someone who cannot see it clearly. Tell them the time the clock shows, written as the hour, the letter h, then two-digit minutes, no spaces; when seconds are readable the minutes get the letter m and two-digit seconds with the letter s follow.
11h46
